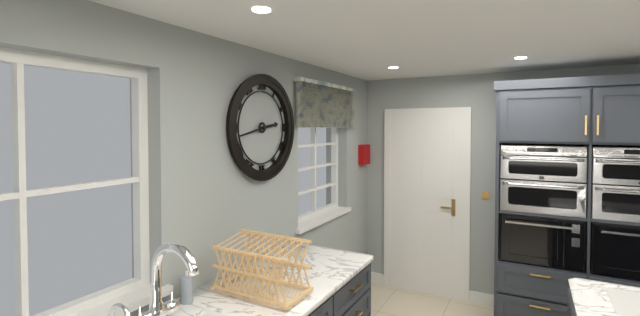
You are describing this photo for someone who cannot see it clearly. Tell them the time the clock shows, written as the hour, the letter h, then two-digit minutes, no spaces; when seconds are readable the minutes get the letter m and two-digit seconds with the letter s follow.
2h43
